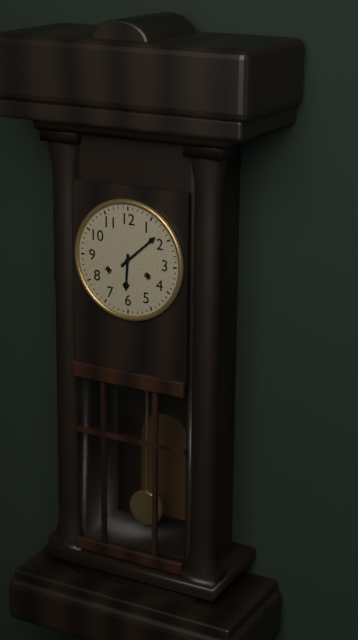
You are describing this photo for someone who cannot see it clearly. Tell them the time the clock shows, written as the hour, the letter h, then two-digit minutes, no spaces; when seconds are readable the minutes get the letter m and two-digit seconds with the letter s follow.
6h08
